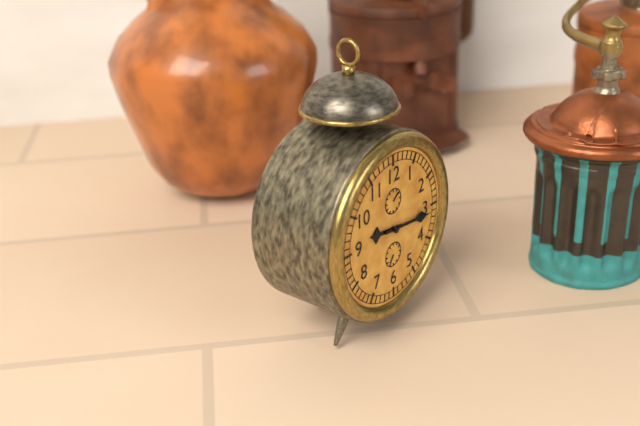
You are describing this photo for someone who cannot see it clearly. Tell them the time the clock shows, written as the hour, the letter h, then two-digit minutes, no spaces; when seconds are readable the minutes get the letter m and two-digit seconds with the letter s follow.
9h16
